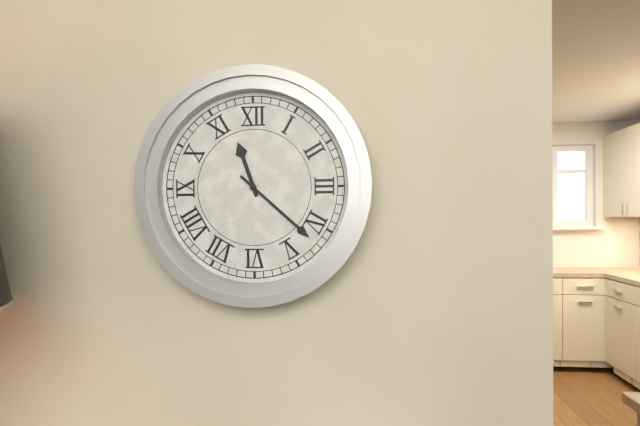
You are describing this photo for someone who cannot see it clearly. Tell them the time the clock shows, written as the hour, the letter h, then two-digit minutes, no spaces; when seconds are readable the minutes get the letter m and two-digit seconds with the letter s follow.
11h22
